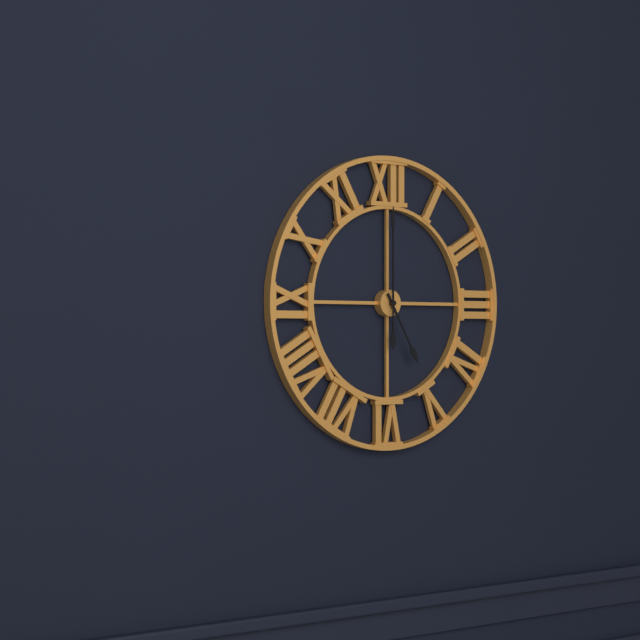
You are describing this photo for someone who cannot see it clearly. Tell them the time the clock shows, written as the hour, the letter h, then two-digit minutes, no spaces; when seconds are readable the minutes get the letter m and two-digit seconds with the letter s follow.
5h00
